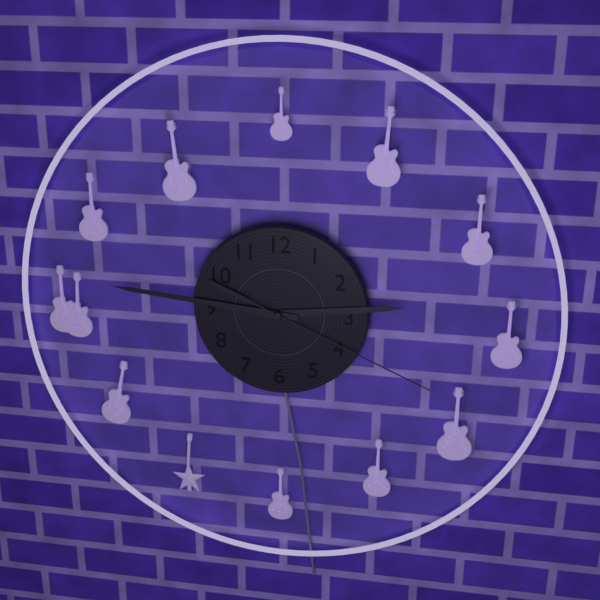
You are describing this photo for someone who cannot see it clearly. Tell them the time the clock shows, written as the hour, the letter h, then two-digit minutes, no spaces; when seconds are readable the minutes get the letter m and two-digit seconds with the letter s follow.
2h46m19s
